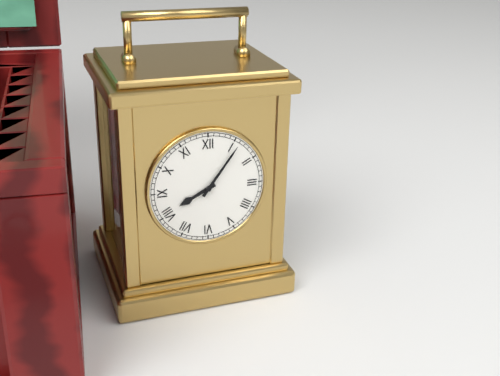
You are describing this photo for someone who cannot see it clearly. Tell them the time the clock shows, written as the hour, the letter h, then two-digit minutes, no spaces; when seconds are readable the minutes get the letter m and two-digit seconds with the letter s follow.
8h06
